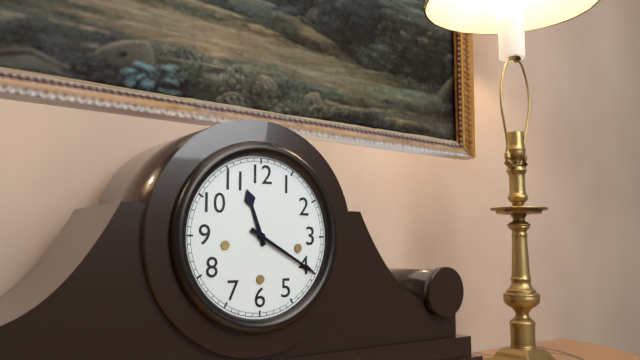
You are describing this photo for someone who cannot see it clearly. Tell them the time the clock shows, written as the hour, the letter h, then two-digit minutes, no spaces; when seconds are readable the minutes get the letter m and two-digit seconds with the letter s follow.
11h20
